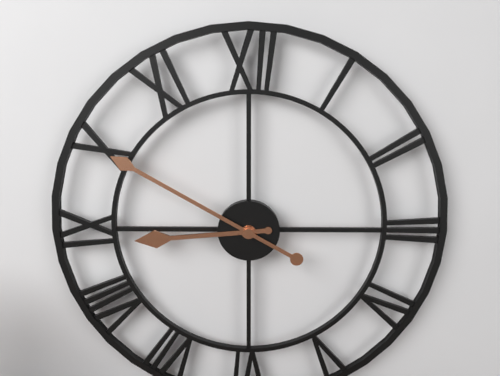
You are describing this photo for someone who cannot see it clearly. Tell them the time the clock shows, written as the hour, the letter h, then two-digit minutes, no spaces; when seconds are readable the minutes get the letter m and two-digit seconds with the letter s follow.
8h50
